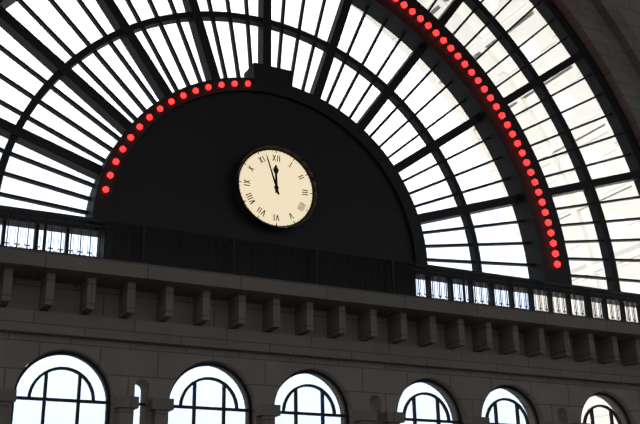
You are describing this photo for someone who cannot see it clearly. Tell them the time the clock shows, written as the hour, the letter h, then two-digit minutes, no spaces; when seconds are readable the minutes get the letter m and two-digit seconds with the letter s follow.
11h57
